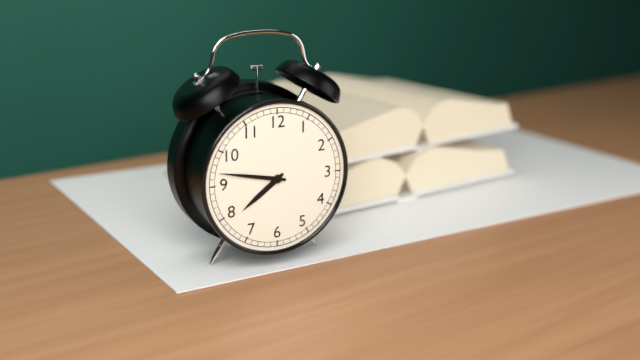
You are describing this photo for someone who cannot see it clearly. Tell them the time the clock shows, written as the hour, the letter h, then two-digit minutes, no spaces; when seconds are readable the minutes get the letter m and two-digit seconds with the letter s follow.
7h47
